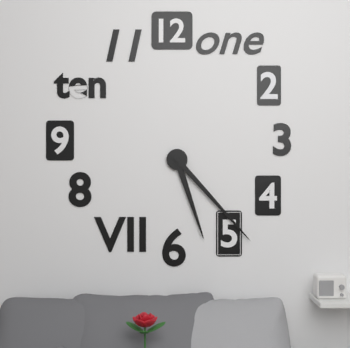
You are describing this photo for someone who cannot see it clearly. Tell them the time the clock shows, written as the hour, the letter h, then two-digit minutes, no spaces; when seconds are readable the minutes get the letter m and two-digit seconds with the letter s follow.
5h23
